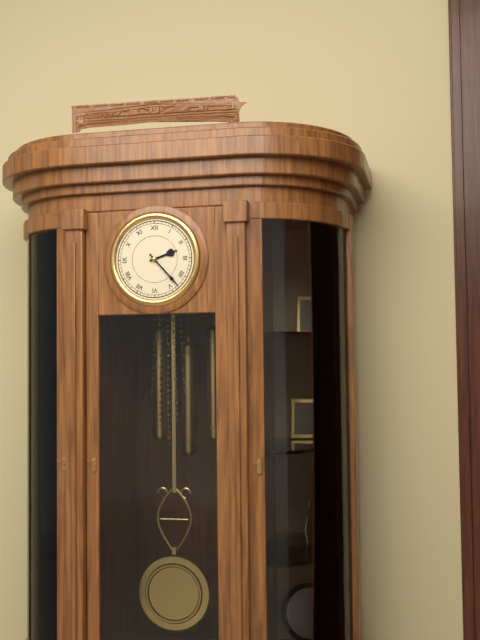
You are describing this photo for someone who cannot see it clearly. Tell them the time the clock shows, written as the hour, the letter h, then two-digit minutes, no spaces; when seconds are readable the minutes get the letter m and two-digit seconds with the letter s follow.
2h23
